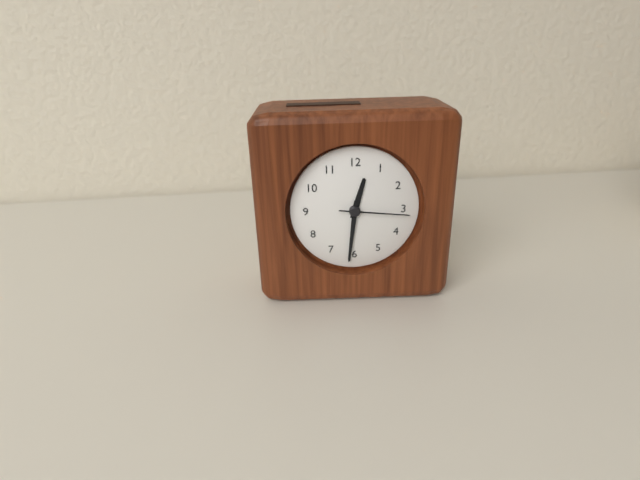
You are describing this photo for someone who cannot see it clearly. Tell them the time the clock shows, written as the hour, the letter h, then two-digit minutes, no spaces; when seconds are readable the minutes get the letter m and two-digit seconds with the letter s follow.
12h31m16s
